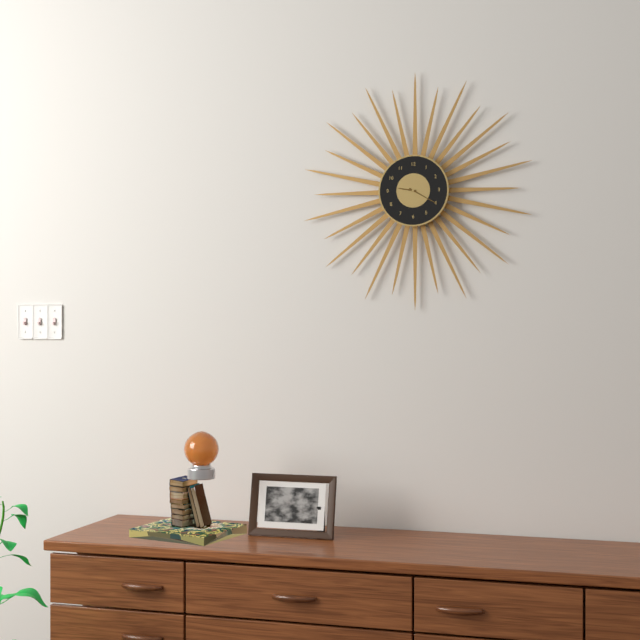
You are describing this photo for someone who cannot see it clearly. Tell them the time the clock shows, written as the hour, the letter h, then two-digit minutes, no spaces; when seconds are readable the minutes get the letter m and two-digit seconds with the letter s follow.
9h20
